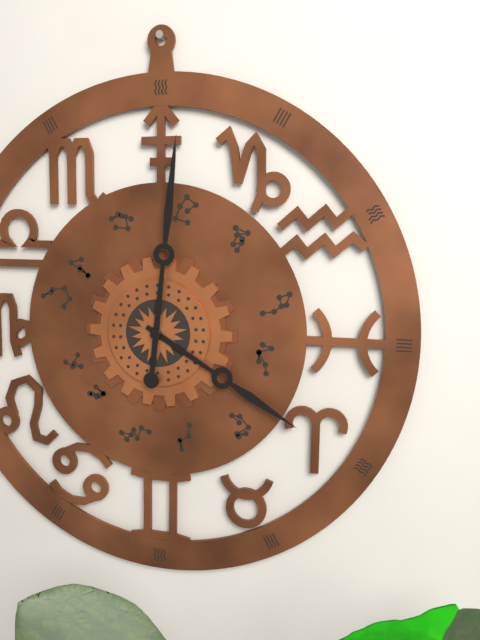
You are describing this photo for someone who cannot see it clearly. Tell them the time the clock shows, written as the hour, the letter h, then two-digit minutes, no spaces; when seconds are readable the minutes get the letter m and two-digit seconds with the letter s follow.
4h01
